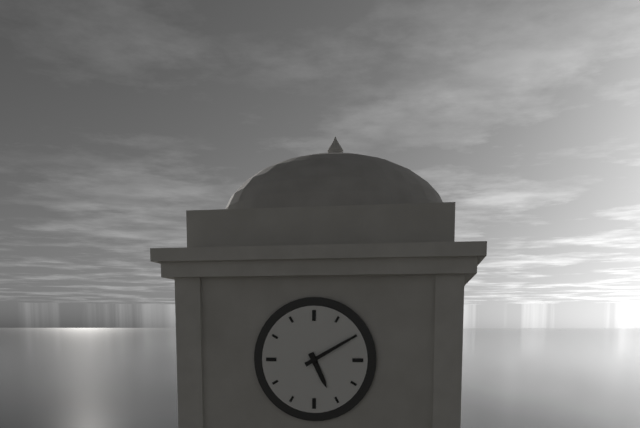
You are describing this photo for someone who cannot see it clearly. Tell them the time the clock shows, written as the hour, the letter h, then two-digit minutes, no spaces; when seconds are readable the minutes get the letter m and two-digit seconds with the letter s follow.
5h10
